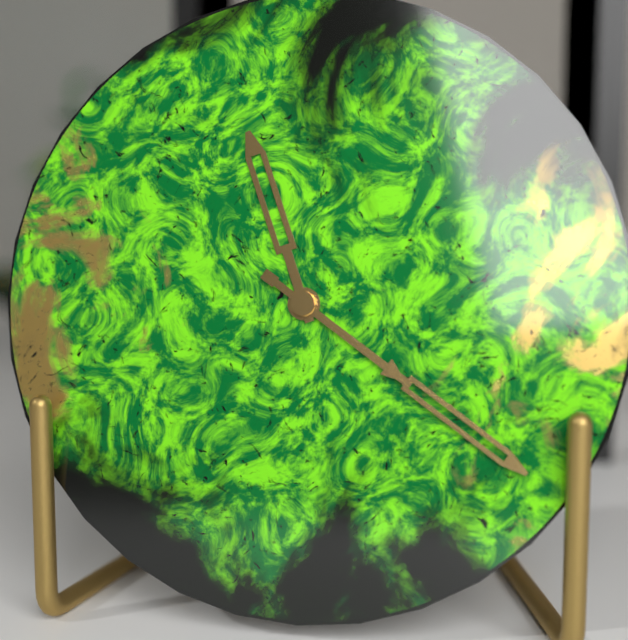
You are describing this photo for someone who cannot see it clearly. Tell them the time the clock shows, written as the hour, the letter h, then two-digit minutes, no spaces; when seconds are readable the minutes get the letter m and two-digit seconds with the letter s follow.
11h21
